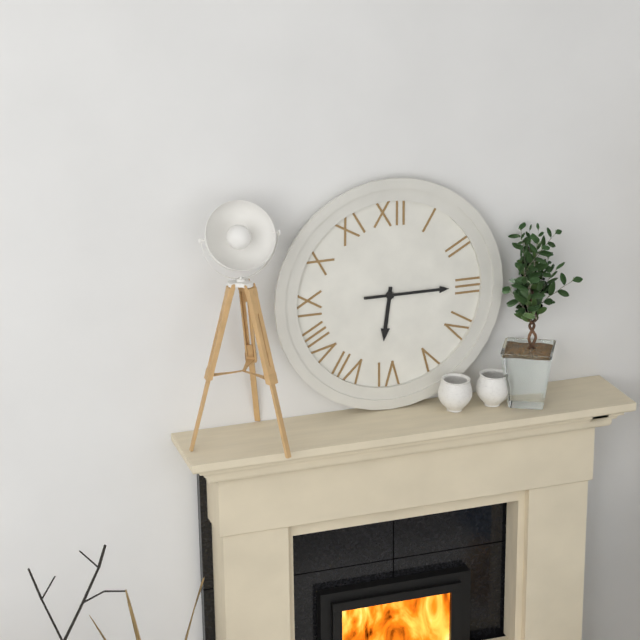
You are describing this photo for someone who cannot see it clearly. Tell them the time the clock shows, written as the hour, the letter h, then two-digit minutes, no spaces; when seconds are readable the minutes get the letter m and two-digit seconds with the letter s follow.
6h15
